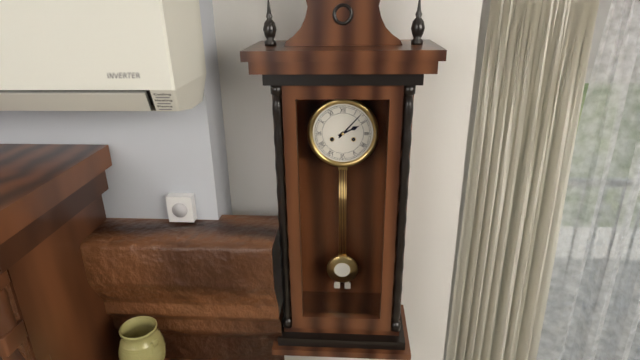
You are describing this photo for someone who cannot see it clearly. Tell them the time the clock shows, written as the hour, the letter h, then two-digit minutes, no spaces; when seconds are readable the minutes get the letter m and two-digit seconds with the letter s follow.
2h07
